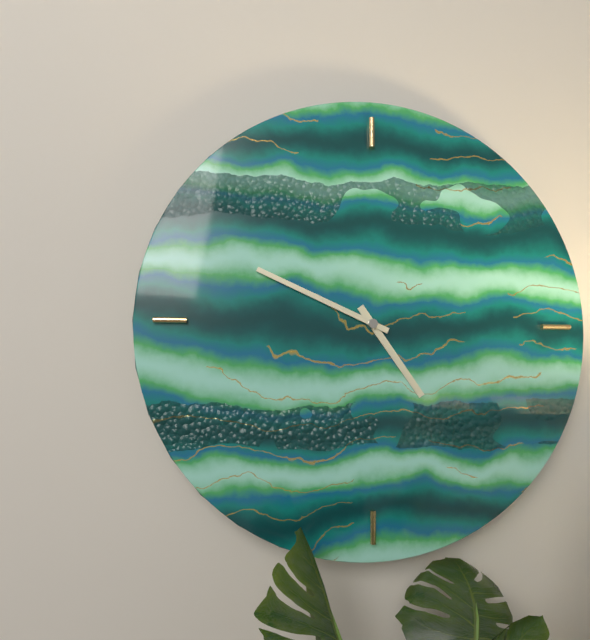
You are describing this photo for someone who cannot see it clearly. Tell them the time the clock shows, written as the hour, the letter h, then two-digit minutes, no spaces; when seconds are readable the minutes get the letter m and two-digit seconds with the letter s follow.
4h49
